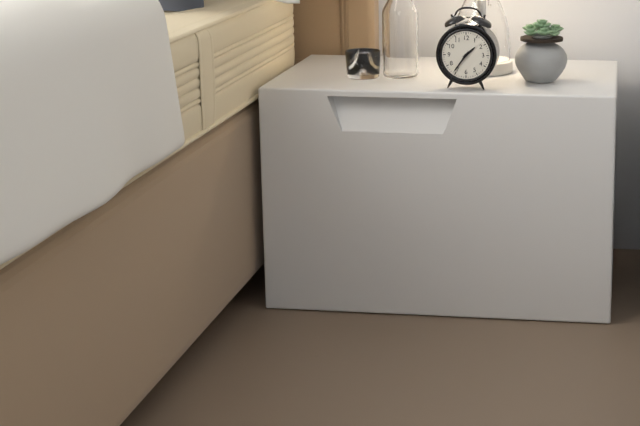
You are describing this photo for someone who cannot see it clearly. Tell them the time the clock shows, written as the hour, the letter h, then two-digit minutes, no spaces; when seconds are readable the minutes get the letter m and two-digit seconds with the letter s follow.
1h36
